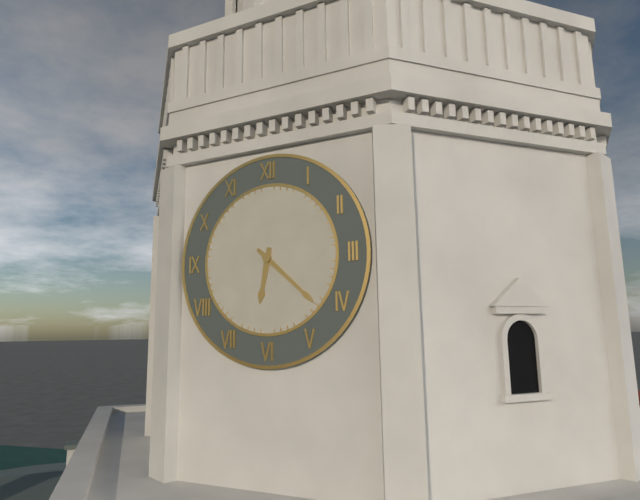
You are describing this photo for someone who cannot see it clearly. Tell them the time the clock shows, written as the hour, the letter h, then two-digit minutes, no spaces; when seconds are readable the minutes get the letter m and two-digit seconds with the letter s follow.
6h22
